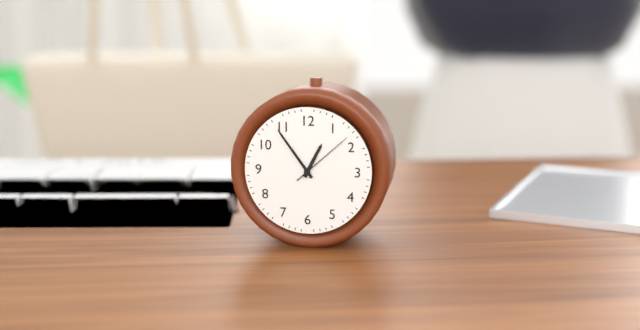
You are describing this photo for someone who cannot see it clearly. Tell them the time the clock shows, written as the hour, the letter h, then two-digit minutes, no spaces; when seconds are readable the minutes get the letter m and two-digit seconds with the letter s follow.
12h54m08s
